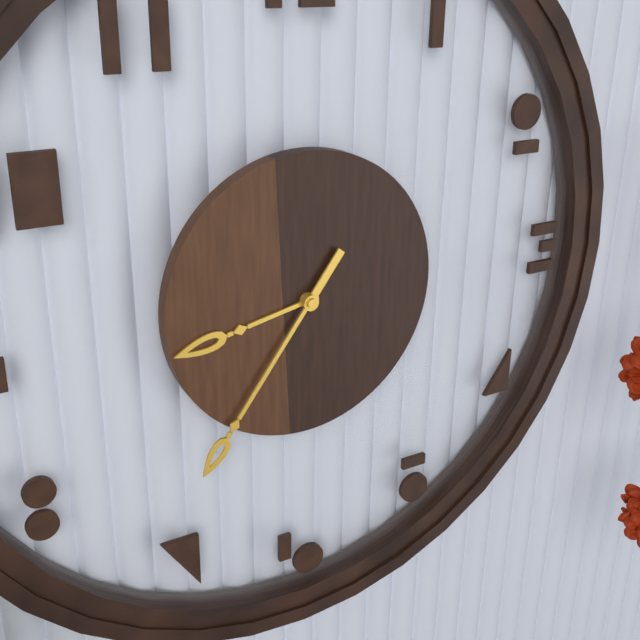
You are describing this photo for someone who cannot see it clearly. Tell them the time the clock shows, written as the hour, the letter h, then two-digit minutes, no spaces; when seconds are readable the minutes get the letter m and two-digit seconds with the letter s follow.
8h36
